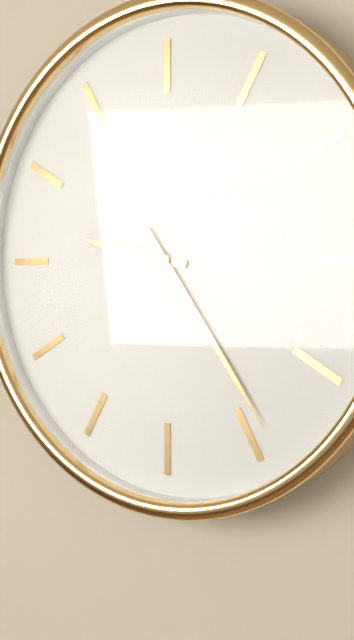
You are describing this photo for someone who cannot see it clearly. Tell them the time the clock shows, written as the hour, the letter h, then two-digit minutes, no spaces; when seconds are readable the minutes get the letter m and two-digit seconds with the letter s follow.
9h24
